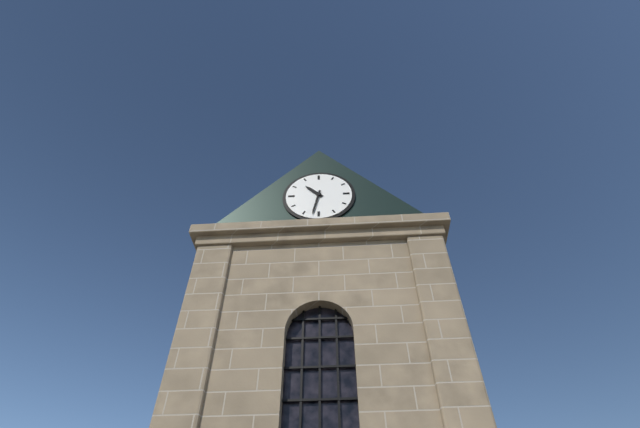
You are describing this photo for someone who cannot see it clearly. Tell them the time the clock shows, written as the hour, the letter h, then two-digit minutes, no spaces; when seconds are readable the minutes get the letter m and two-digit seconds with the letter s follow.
10h32
